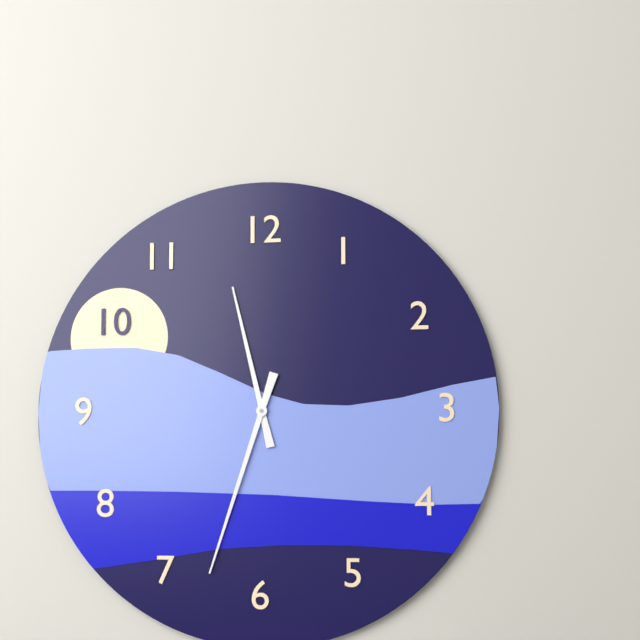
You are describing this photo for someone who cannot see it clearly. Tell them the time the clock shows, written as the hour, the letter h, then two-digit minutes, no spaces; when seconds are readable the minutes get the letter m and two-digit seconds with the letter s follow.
11h33
